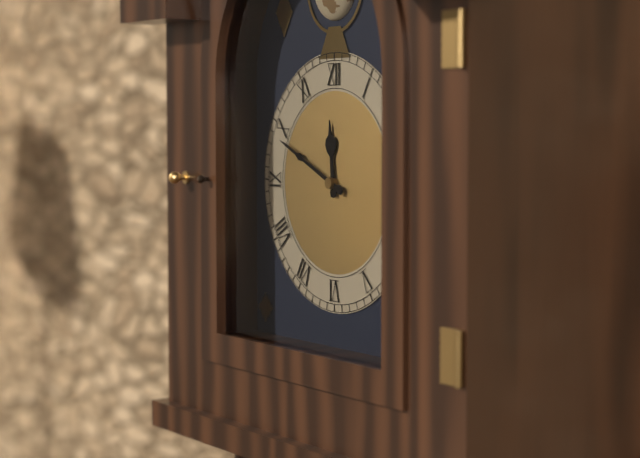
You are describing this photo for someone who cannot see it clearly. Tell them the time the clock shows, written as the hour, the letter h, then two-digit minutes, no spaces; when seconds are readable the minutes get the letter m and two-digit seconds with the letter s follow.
11h49
